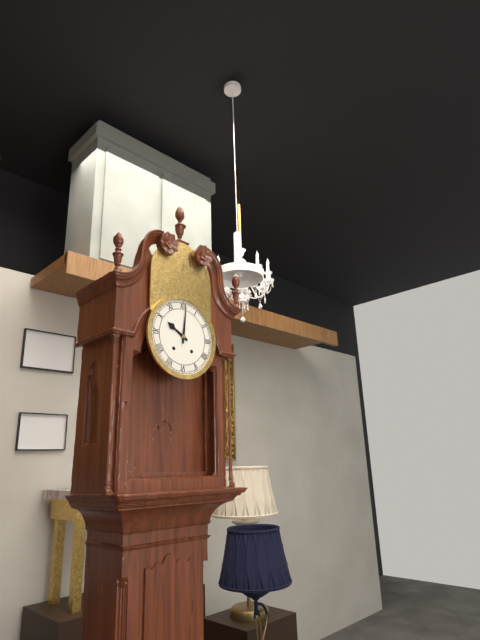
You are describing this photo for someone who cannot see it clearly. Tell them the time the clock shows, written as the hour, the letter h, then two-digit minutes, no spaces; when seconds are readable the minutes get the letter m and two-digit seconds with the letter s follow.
10h01
